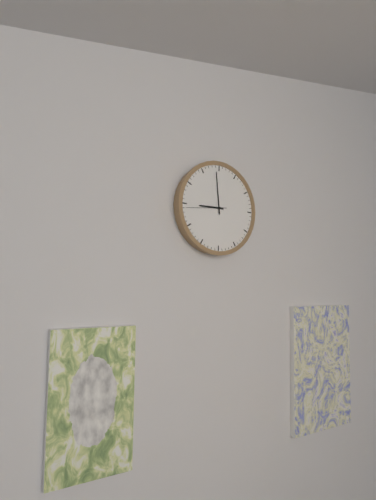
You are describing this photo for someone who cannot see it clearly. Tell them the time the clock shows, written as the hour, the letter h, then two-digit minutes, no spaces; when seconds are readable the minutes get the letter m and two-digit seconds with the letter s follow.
8h59
